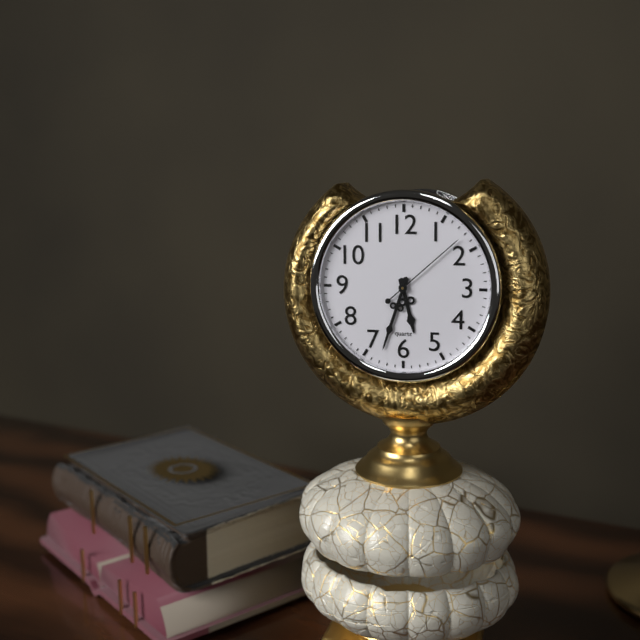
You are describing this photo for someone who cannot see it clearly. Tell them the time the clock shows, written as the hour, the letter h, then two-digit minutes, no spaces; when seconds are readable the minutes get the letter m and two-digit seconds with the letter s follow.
5h33m08s
